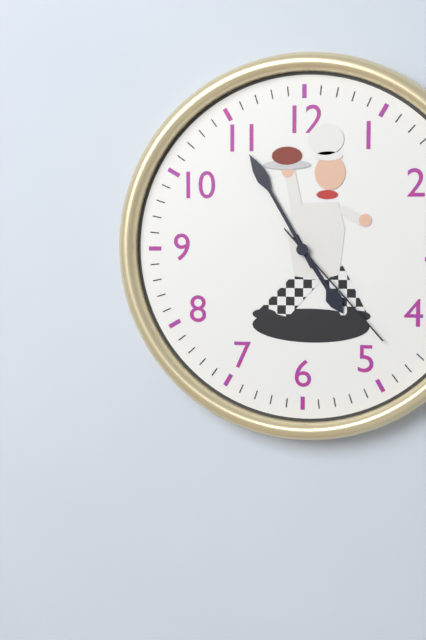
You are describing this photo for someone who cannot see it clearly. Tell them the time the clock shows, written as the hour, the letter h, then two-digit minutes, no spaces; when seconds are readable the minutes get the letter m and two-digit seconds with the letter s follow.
4h55m23s
